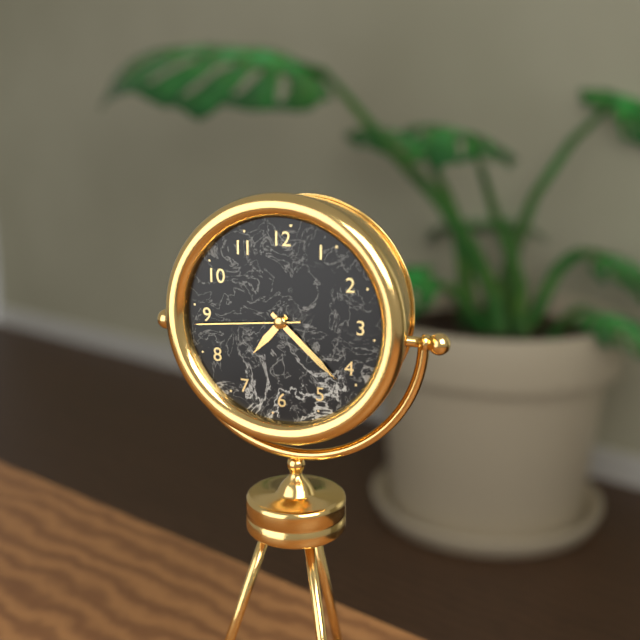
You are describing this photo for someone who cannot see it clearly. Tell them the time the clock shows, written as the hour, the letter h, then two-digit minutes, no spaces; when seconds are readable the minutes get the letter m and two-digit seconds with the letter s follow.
7h22m44s
